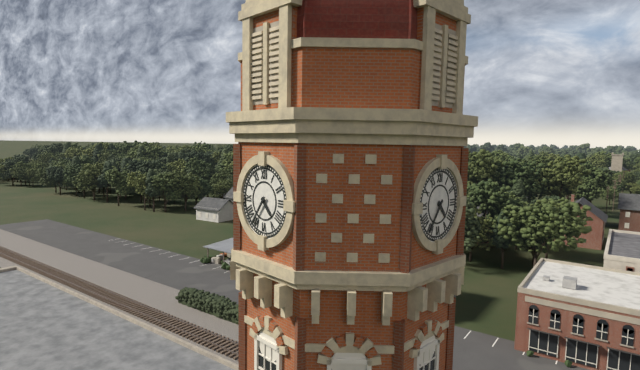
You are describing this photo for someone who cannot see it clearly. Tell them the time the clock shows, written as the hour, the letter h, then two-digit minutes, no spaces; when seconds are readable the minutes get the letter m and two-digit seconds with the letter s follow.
4h36
